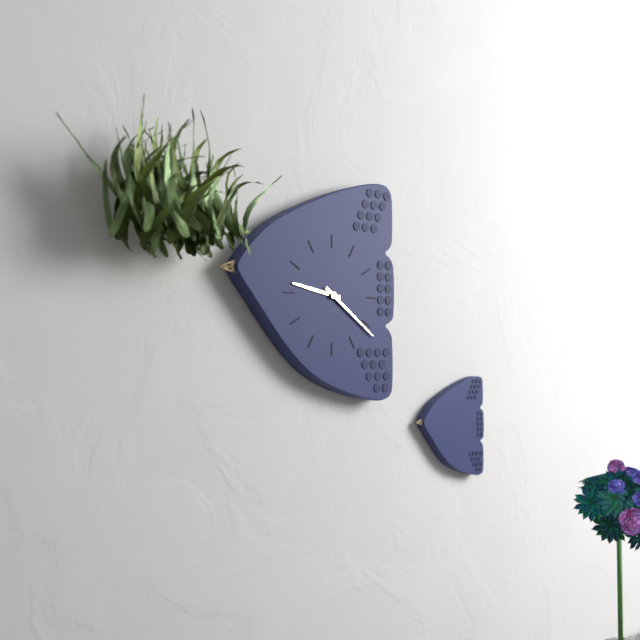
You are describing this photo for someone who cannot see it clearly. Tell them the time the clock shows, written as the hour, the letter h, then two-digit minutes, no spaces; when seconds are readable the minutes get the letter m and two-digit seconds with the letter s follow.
9h21
